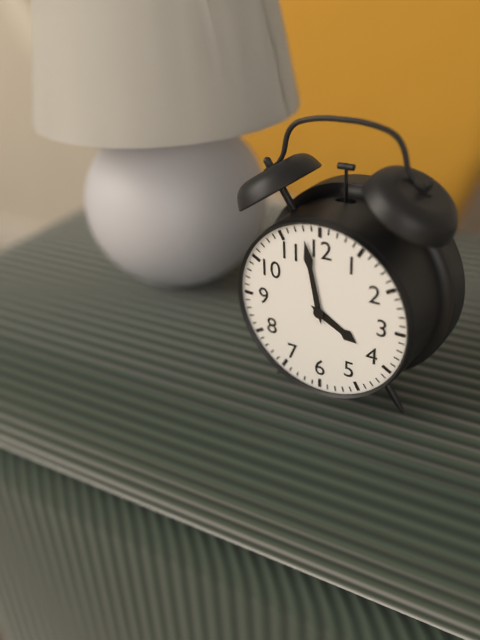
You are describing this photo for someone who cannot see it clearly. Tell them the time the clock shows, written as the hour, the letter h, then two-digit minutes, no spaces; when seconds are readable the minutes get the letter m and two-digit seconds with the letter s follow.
3h58
